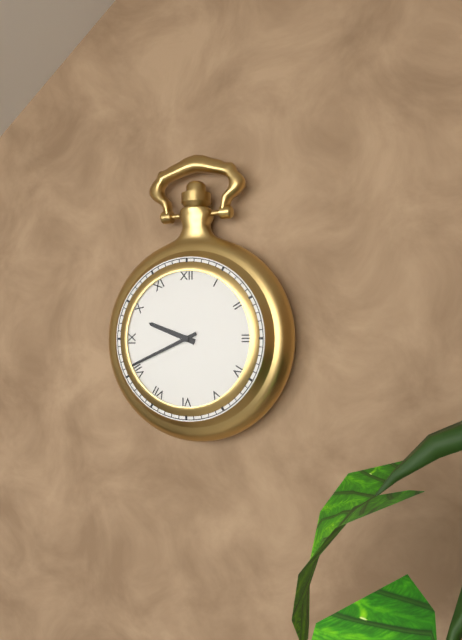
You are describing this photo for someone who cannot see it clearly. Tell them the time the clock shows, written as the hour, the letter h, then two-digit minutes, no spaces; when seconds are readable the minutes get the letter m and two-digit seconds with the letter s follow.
9h41
